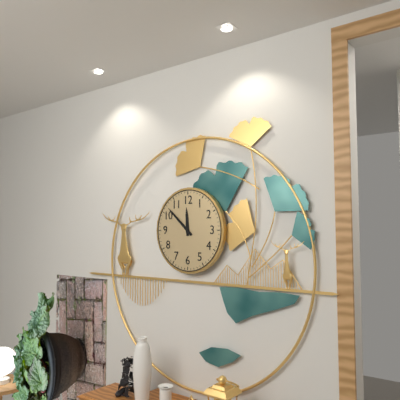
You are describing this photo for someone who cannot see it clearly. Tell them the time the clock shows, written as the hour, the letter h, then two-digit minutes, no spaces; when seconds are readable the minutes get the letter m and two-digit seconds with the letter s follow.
11h52
